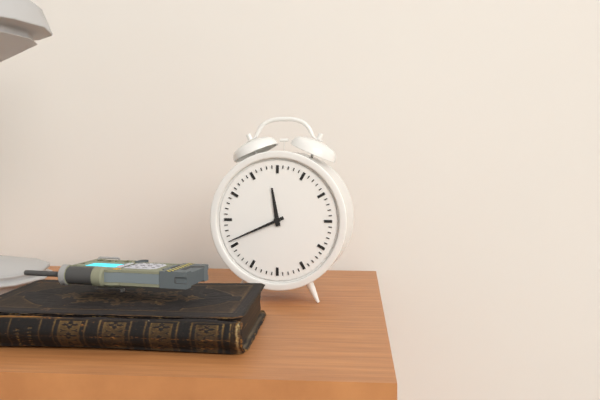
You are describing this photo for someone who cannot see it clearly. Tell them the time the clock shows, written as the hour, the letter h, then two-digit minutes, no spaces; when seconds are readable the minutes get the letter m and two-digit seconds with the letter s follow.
11h41
